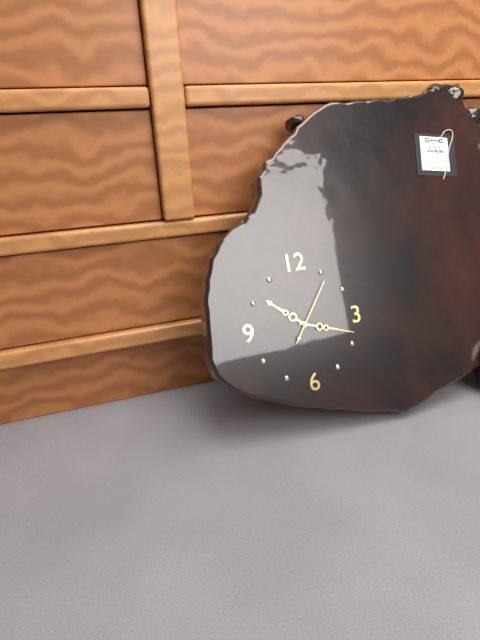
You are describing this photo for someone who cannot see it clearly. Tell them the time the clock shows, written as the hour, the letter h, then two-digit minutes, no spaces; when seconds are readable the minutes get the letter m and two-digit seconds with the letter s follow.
10h18m06s
